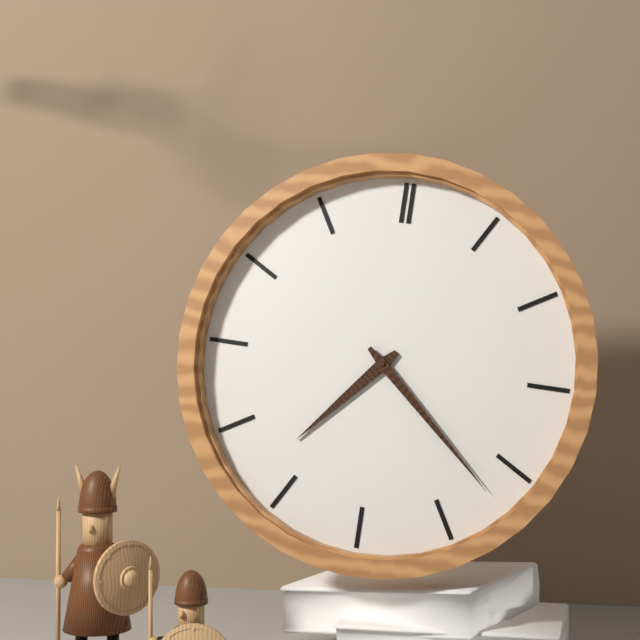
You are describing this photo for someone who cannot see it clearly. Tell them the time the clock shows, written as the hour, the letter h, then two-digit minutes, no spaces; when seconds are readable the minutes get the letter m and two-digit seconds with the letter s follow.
7h22
